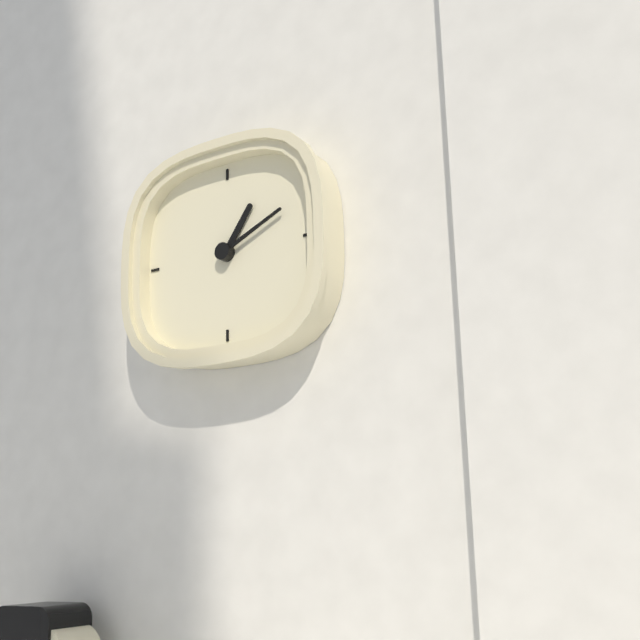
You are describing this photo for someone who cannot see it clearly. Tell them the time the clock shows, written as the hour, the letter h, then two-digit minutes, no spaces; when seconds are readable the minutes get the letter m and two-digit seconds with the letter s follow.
1h11
